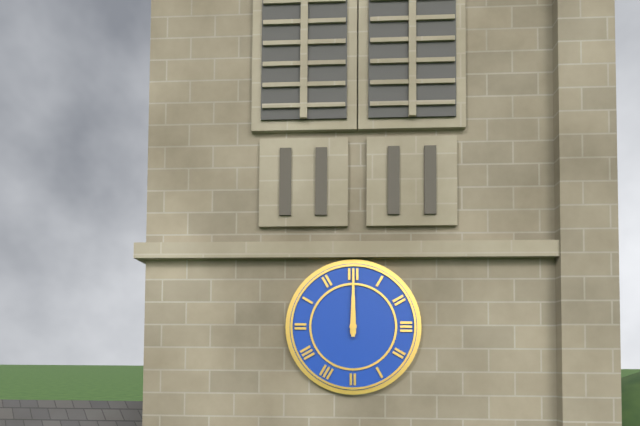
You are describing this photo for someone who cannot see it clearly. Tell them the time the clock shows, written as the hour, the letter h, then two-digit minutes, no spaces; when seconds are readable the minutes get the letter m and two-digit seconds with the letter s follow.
12h00
